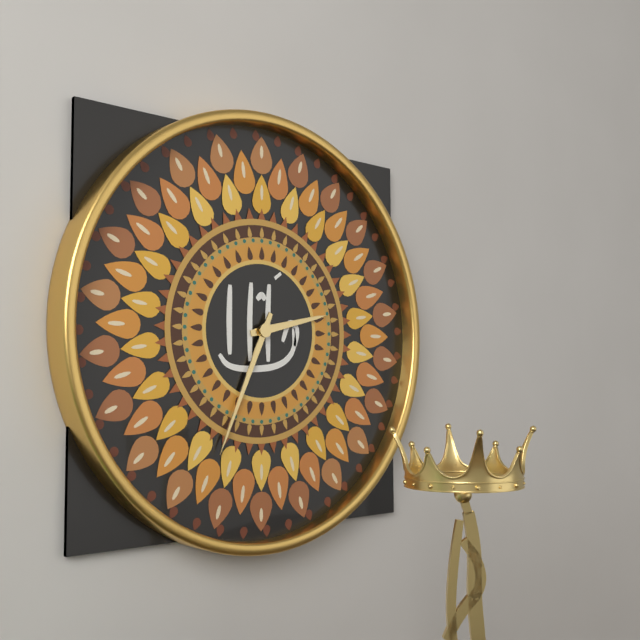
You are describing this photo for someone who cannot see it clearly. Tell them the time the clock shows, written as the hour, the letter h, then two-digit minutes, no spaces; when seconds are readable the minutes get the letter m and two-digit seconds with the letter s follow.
2h34
